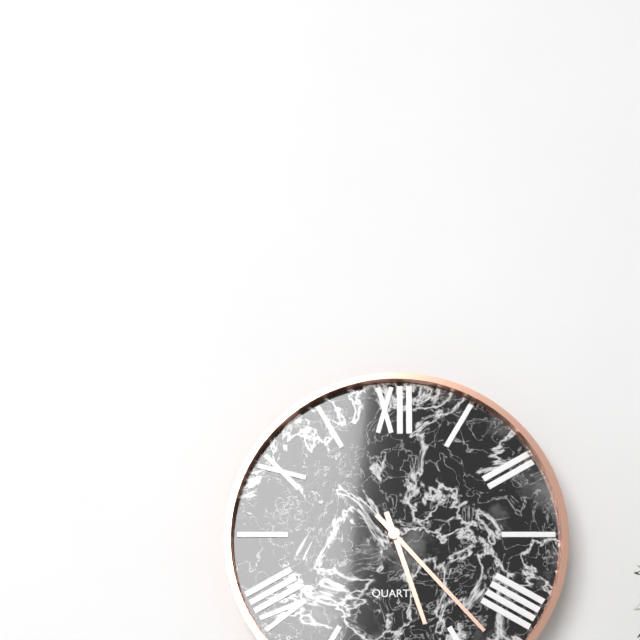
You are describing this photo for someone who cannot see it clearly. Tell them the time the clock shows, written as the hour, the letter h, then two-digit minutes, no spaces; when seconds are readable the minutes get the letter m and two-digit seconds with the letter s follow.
5h23
